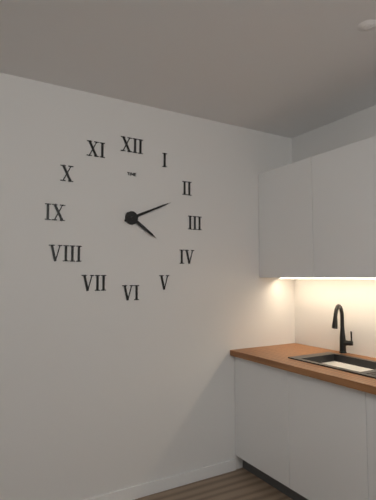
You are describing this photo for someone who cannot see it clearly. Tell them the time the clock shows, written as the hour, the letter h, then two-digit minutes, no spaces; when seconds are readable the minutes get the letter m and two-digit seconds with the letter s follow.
4h11
